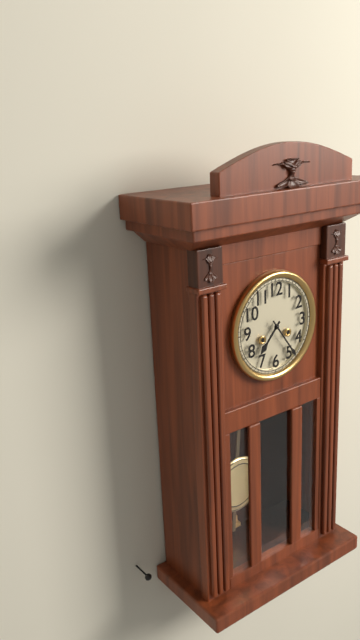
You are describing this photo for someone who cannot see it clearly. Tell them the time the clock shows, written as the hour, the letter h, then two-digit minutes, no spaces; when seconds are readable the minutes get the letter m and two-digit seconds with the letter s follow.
7h24
